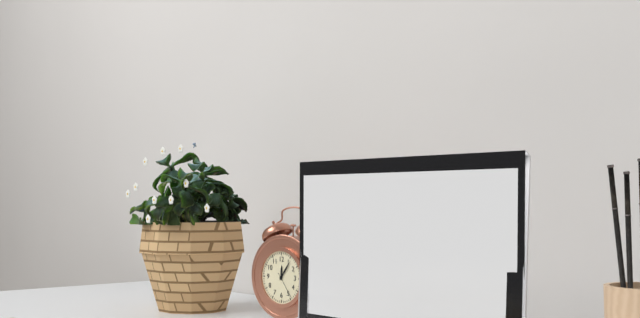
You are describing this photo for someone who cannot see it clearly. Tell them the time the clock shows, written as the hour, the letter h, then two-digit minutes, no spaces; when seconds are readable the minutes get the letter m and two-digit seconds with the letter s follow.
12h06
